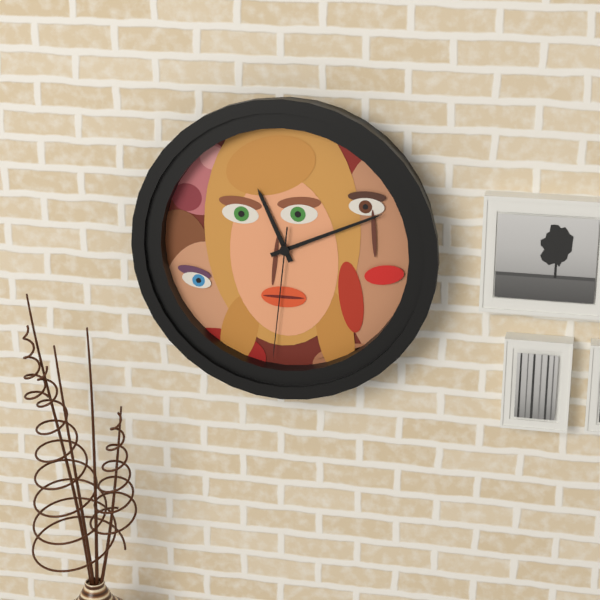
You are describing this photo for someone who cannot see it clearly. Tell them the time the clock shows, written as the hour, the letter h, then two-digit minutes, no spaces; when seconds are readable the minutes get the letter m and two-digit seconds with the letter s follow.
11h11m31s
